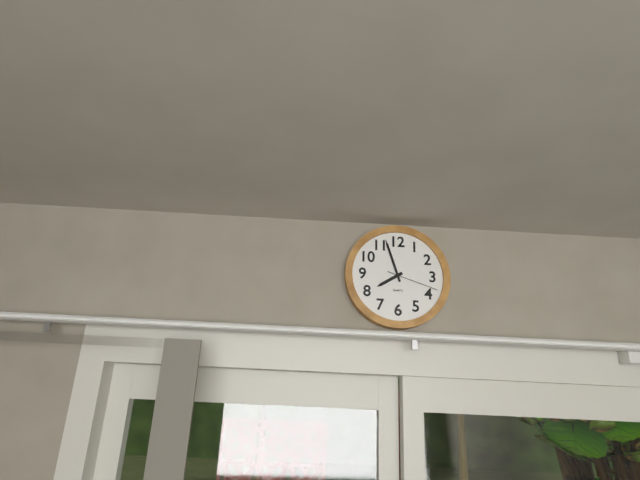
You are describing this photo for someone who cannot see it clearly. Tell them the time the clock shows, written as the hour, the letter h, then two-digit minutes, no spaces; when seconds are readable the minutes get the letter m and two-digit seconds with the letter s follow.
7h57m18s
